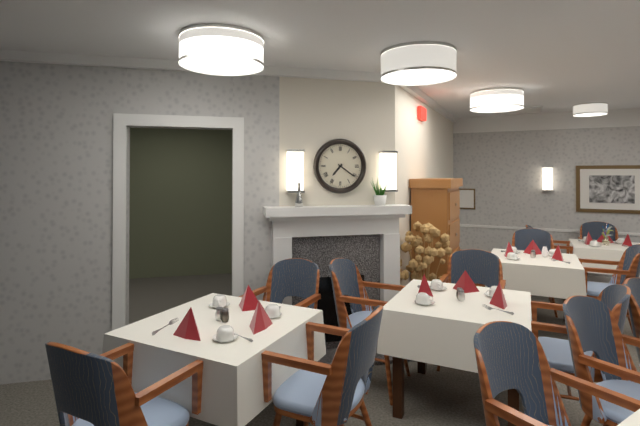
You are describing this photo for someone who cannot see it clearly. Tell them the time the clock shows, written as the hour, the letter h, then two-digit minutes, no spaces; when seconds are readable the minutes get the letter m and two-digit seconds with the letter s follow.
7h21
